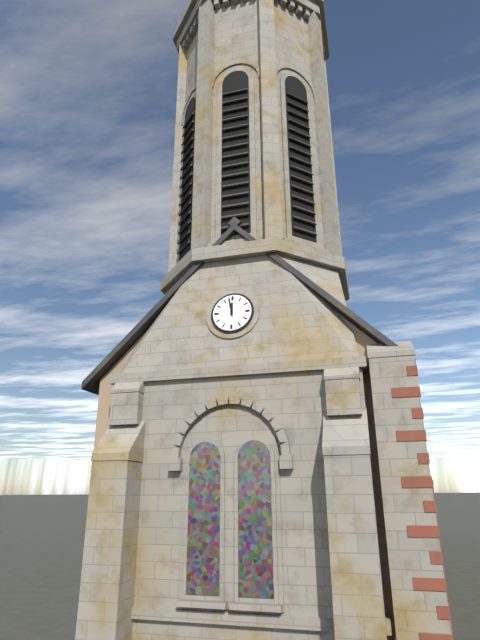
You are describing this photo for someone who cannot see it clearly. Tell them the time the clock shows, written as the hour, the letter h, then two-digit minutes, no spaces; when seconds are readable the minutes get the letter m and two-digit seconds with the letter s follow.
11h58
